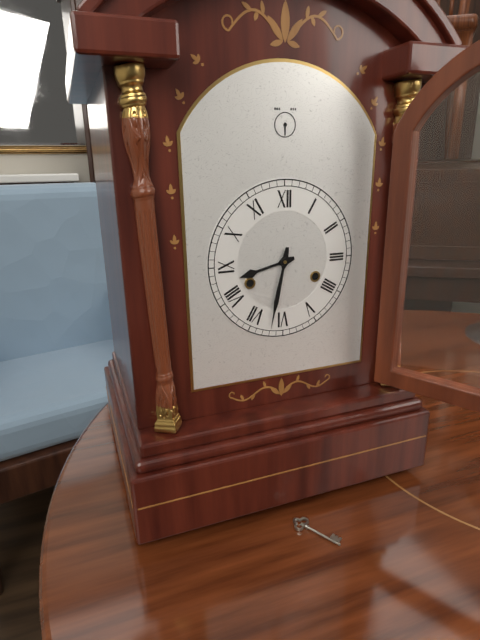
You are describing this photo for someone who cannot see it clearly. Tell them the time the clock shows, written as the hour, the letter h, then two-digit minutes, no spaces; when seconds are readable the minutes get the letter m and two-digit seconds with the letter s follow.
8h32
